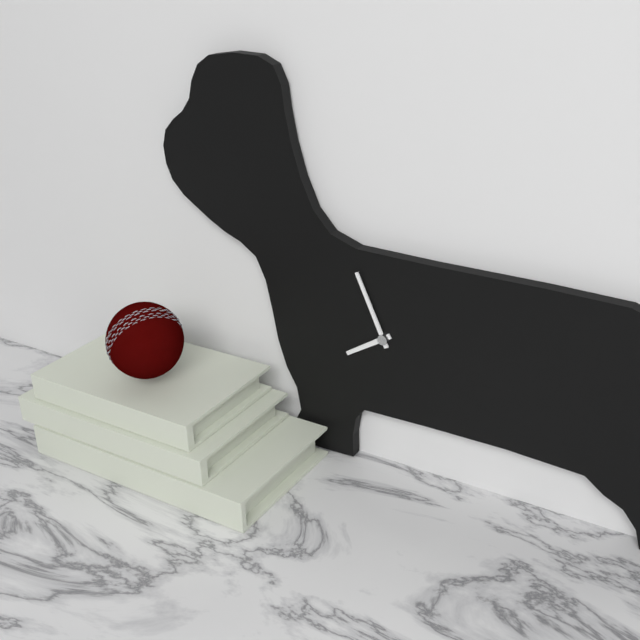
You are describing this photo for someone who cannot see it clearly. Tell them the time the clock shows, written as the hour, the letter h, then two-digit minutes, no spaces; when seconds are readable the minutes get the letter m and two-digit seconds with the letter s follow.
7h56
